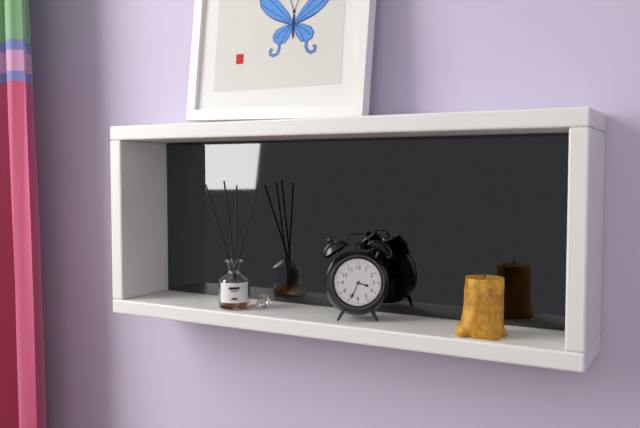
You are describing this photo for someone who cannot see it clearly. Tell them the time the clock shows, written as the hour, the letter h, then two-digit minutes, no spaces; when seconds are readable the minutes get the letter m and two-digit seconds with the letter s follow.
3h34
